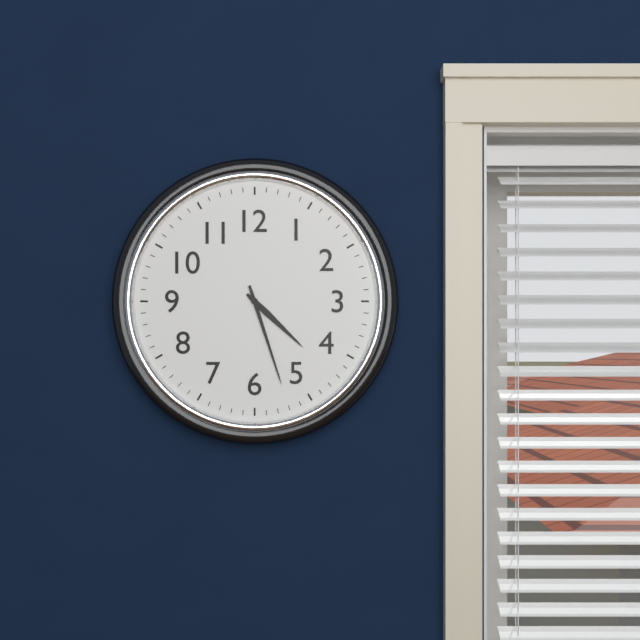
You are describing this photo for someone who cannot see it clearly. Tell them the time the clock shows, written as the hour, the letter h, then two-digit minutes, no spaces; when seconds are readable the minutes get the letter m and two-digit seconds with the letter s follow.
4h27
